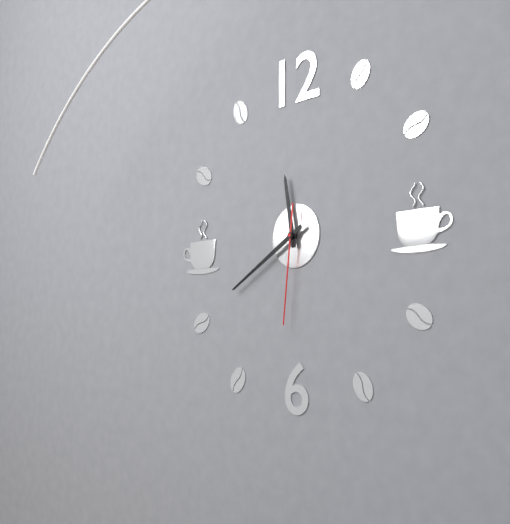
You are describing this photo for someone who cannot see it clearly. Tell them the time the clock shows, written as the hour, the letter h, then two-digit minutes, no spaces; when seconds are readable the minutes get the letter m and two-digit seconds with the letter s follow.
11h40m31s
